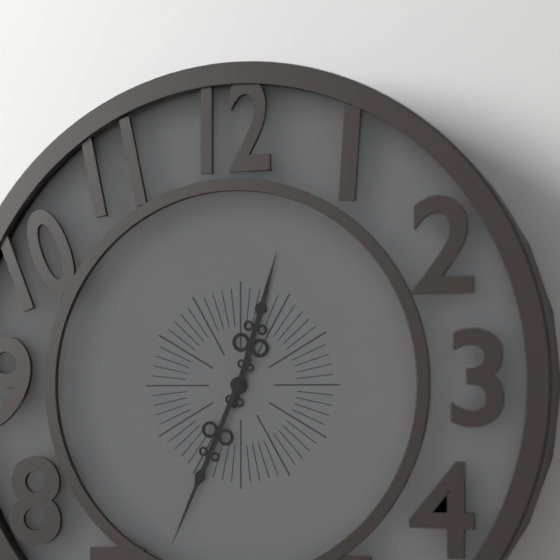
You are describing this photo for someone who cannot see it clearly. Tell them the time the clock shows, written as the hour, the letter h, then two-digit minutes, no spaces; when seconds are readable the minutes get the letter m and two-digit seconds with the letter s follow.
12h34
